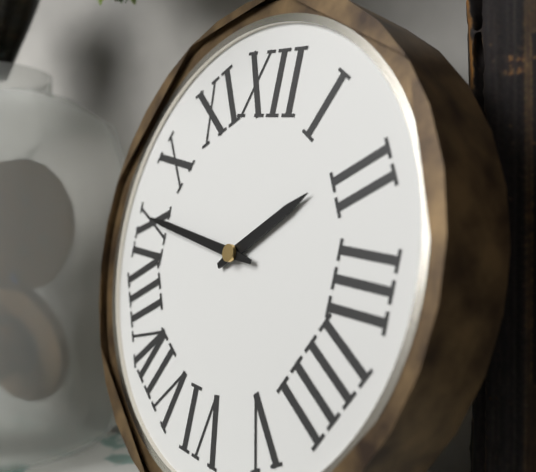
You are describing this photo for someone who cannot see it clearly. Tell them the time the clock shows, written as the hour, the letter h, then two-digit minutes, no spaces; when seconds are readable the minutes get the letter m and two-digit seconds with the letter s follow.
1h46
